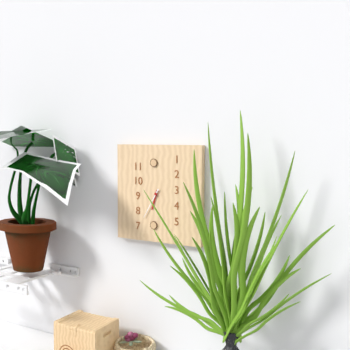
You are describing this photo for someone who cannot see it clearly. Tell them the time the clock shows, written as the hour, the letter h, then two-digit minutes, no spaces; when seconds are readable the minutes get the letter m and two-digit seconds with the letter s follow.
6h35
